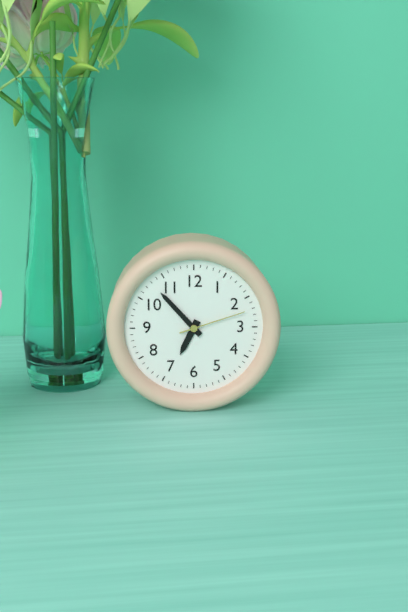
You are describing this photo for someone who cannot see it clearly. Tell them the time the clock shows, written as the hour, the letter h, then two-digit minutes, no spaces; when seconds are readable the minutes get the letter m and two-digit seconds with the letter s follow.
6h53m12s
